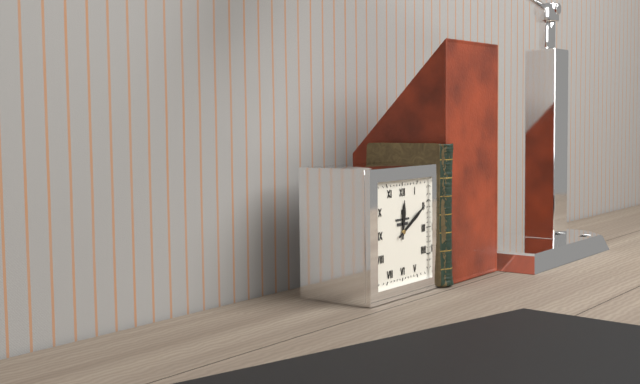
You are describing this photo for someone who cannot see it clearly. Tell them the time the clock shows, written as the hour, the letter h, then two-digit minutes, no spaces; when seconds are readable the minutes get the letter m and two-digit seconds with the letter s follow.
12h10
